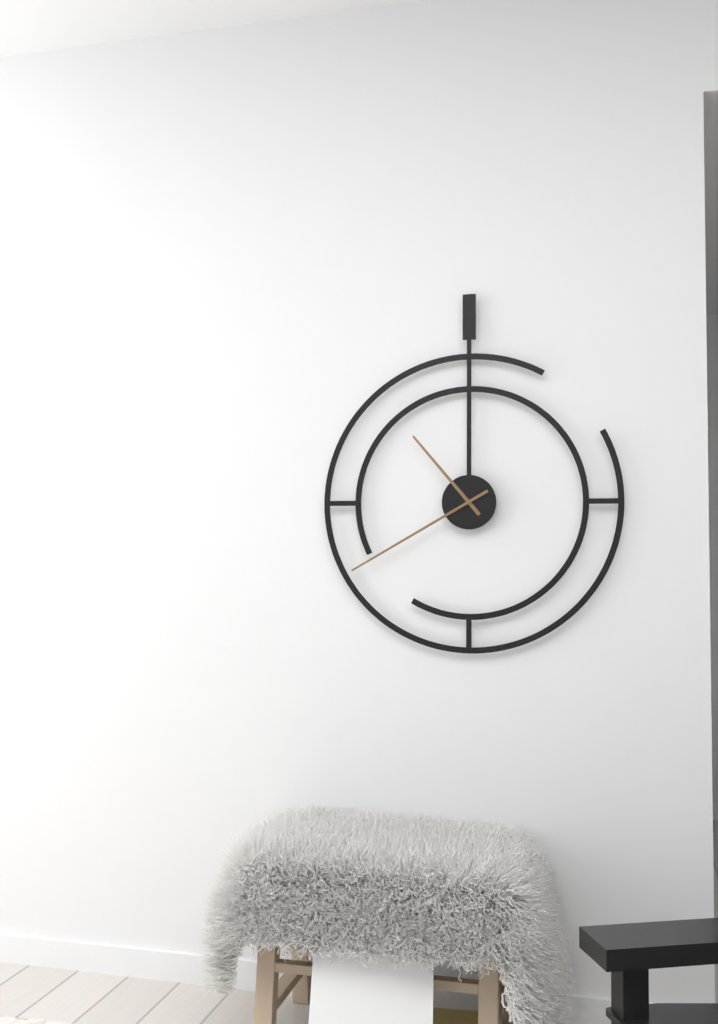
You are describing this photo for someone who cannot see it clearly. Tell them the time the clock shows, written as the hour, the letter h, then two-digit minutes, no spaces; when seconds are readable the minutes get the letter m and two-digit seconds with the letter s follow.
10h40
